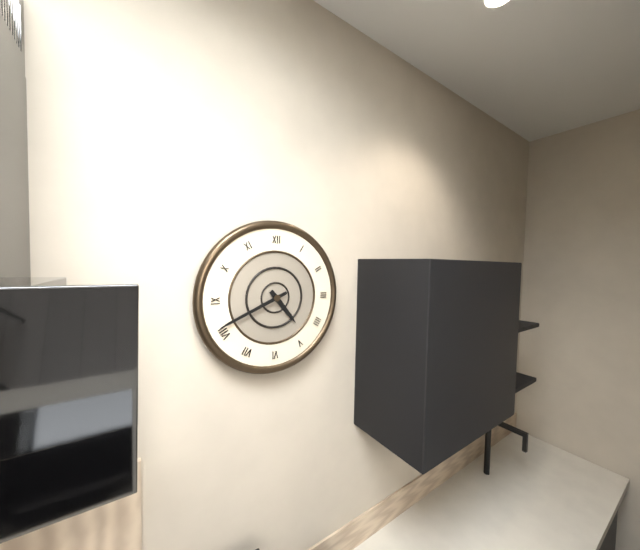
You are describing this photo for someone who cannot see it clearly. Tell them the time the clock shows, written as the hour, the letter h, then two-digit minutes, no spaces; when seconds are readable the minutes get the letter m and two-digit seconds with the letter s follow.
4h41
